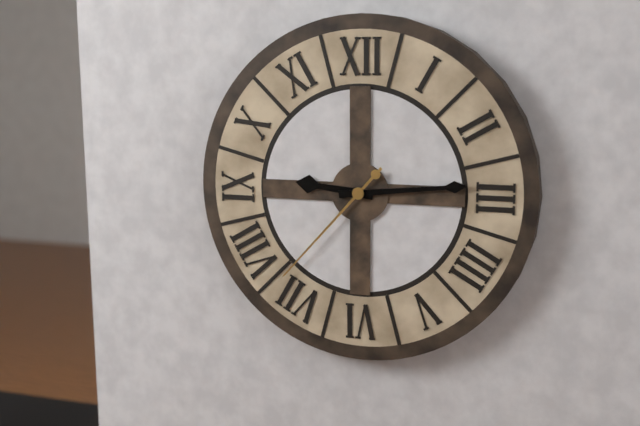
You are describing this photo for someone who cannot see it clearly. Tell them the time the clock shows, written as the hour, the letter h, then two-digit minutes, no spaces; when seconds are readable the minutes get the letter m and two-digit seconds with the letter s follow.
9h14m37s
